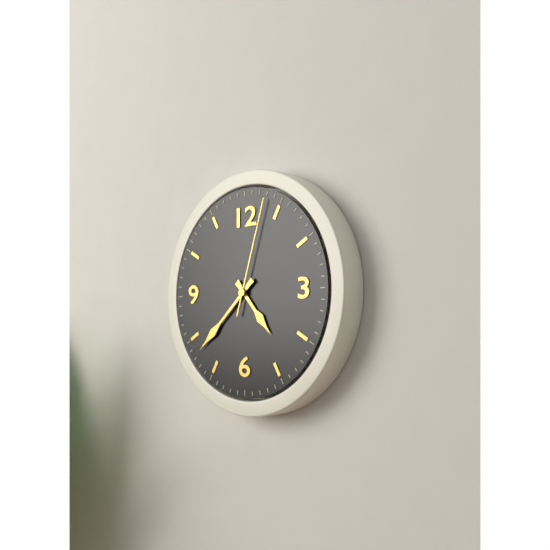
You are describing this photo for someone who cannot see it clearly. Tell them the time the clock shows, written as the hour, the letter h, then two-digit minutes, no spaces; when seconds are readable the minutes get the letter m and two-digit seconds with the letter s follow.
4h38m03s
